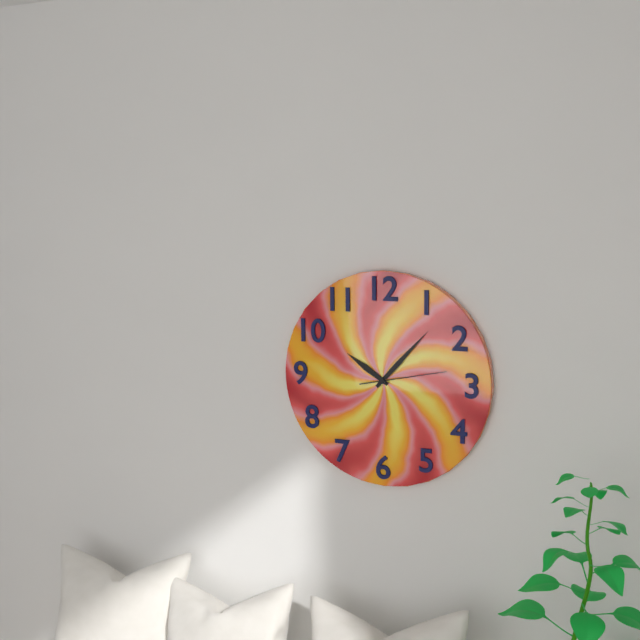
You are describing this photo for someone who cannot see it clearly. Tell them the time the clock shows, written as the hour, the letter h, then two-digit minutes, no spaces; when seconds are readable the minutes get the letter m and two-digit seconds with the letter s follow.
10h07m13s
